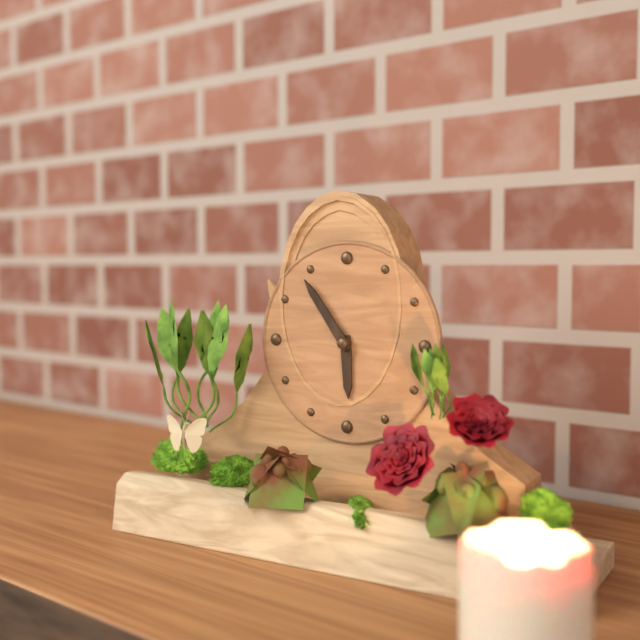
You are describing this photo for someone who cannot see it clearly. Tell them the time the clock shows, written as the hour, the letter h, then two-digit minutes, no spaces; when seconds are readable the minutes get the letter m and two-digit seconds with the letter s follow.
5h54
